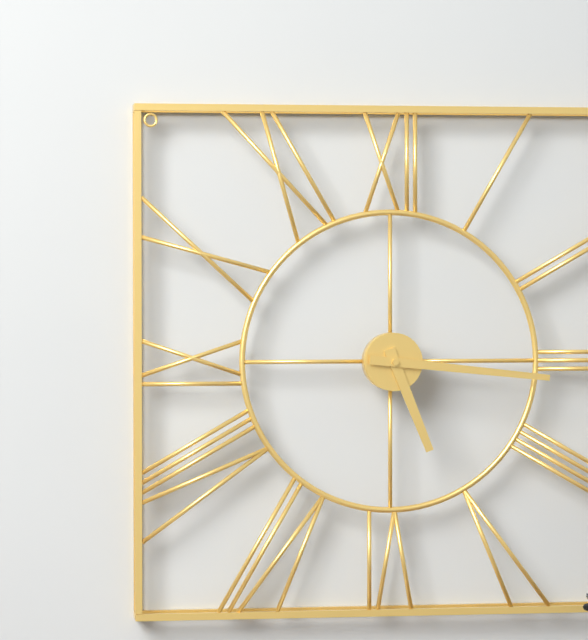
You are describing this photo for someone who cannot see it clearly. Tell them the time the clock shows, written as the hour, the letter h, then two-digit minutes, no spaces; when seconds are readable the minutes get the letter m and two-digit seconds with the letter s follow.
5h16
